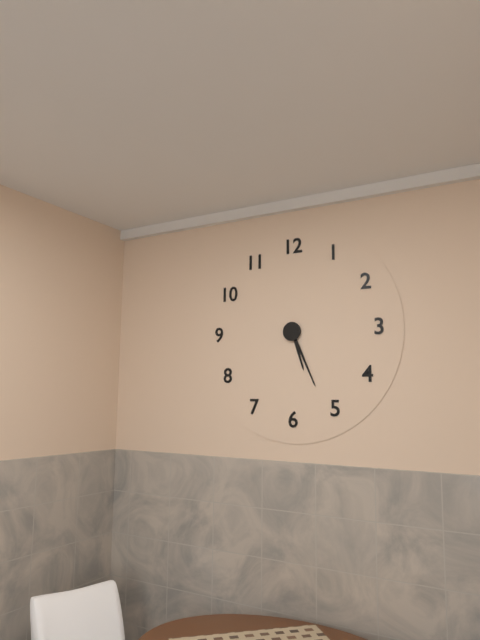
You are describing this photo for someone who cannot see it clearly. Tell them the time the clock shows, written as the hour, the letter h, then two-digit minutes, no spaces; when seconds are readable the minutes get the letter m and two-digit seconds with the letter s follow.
5h26
